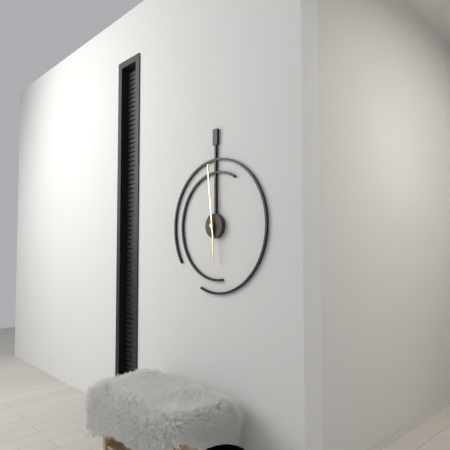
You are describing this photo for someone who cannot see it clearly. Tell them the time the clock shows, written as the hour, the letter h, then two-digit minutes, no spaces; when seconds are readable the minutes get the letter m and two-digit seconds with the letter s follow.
5h59
